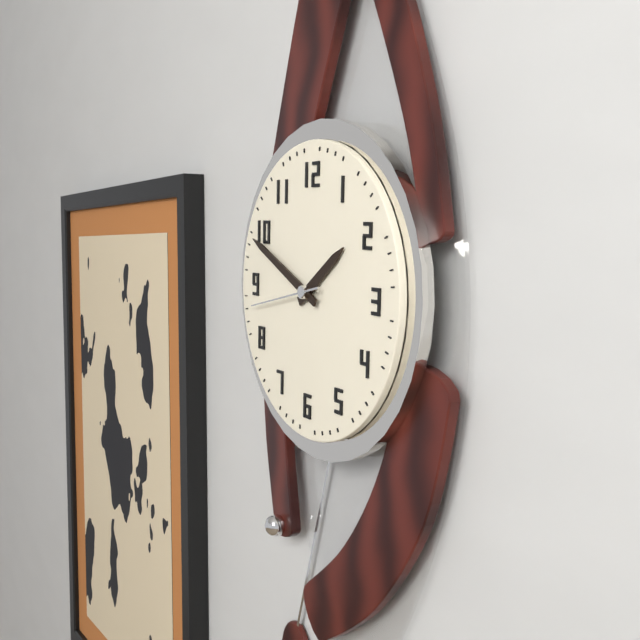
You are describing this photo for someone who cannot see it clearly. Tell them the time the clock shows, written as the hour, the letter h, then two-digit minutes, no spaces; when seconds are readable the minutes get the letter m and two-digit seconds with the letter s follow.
1h49m43s
